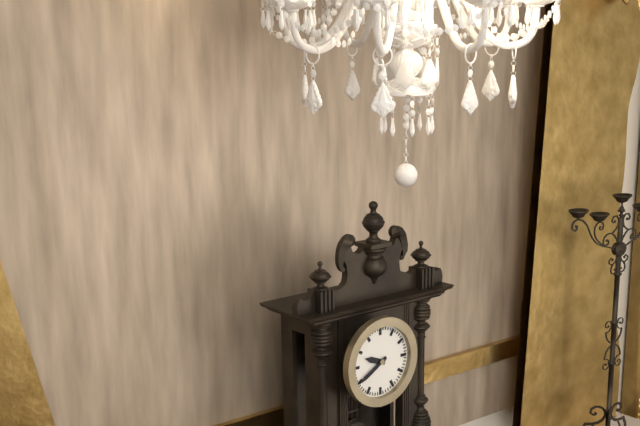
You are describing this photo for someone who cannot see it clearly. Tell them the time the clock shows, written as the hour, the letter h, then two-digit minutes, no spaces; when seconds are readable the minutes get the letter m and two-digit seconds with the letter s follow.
9h40
